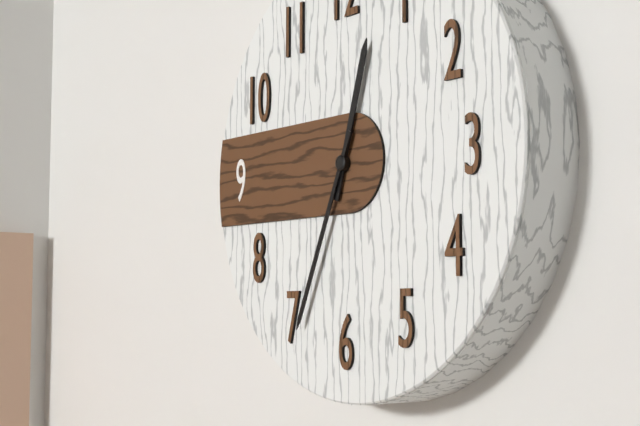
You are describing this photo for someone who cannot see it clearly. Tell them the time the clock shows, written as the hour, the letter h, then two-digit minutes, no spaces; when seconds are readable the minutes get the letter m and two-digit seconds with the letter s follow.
12h34
